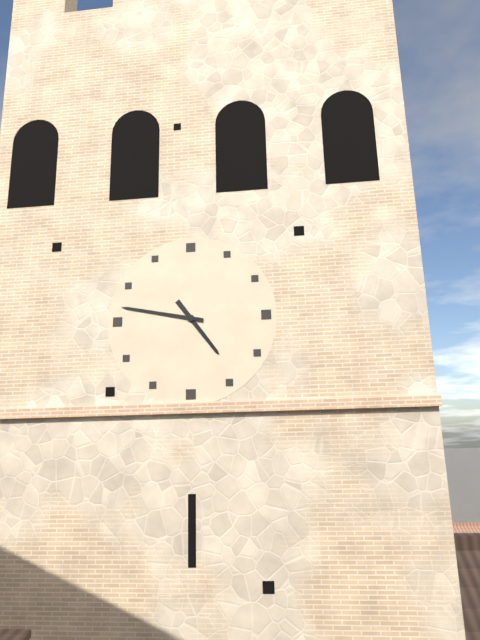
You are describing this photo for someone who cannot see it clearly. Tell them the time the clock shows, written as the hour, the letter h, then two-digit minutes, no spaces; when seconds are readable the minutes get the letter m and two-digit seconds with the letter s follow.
4h47
